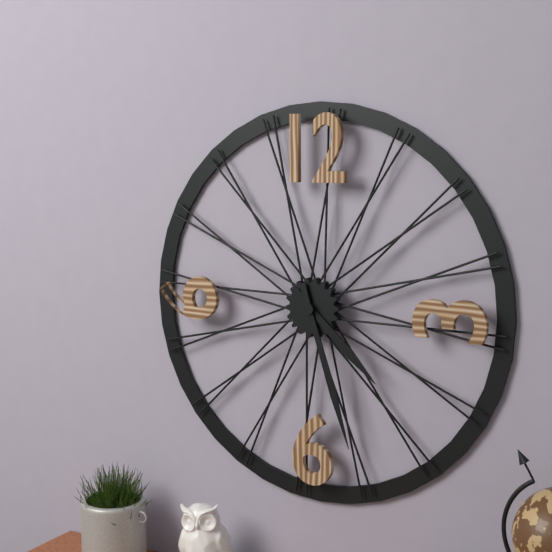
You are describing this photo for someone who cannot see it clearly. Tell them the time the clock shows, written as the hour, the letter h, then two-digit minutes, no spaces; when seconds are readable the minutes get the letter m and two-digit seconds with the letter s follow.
4h27
